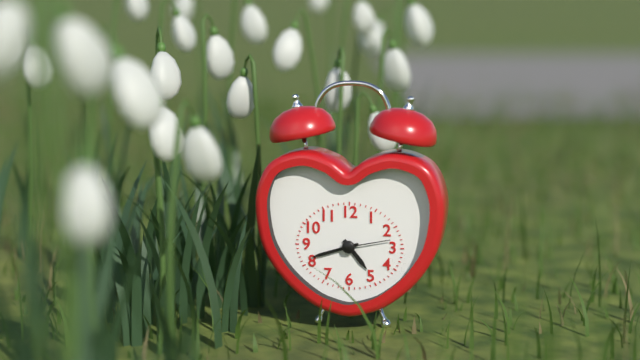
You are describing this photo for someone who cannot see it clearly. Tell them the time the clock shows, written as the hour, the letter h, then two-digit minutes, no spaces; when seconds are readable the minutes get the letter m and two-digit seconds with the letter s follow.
4h42m13s
